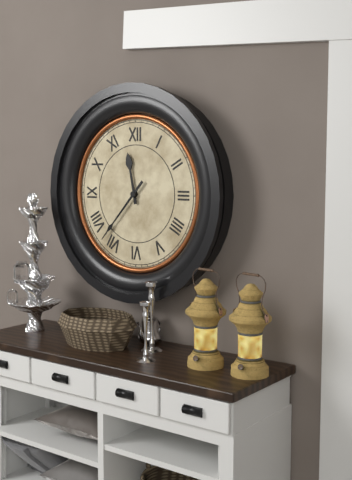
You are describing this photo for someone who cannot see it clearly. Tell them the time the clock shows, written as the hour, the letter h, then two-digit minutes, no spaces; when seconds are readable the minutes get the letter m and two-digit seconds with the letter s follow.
11h37
